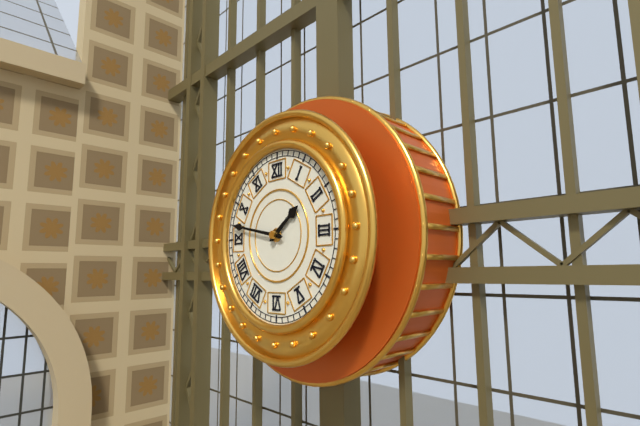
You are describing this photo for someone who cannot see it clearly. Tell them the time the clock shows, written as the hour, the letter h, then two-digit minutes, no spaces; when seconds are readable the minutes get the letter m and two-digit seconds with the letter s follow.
1h47
